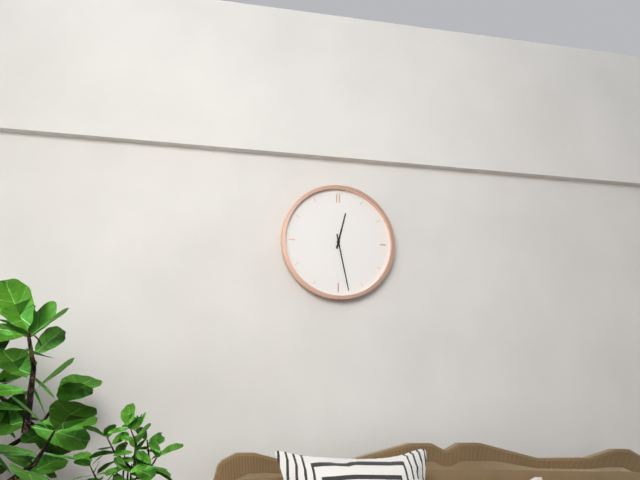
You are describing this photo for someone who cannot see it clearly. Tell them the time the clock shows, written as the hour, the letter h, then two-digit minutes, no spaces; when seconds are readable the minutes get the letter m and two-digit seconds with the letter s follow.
12h28
